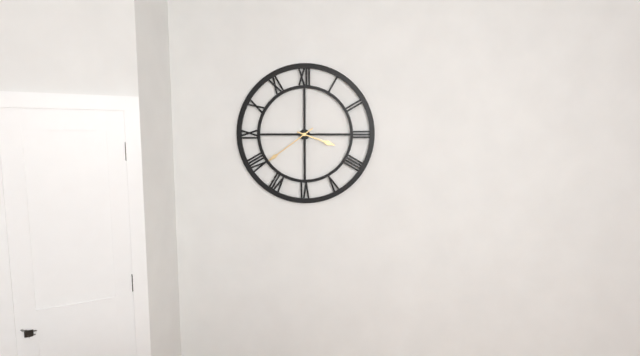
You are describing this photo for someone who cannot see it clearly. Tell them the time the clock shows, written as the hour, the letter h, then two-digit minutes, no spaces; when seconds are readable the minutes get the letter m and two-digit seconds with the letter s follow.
3h39
